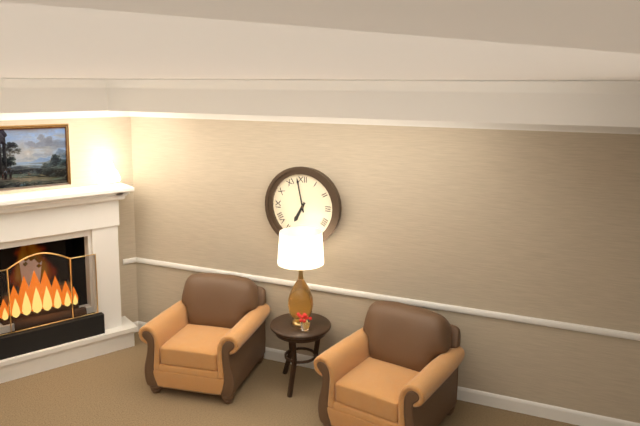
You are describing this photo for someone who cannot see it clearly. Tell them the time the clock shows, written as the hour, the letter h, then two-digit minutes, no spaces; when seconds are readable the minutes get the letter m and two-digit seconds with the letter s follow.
6h58
